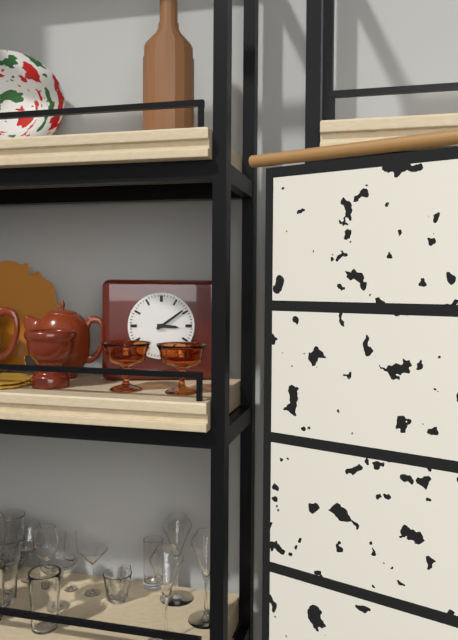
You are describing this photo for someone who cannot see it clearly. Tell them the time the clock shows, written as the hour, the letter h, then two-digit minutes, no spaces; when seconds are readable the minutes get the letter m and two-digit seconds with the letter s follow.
3h09
